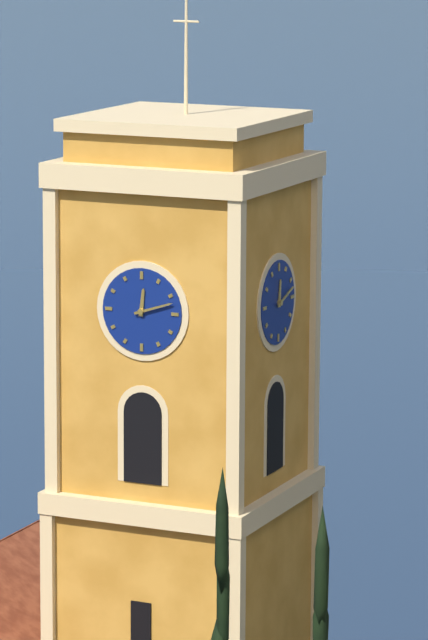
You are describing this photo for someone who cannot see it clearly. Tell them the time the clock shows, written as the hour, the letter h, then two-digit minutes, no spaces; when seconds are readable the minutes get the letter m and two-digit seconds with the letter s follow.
12h12
